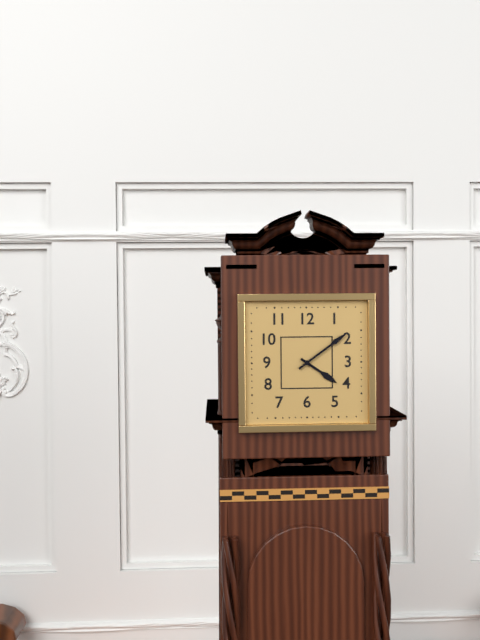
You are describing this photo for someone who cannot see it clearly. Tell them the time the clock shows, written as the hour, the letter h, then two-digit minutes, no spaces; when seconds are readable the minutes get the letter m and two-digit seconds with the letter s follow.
4h09
